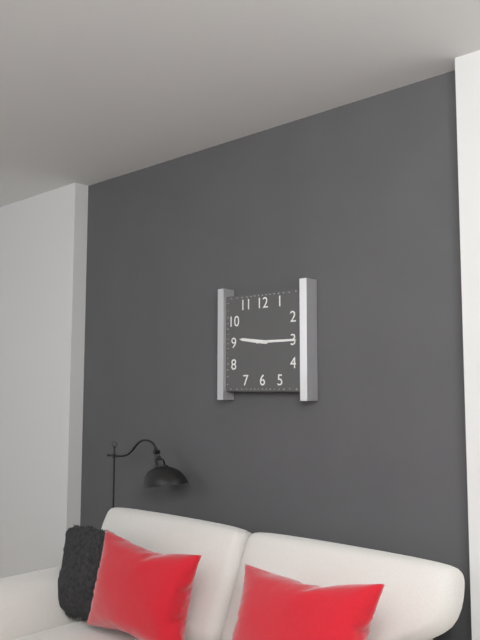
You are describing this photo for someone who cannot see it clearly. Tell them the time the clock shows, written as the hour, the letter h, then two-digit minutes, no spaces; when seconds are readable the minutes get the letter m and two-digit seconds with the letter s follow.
9h15
